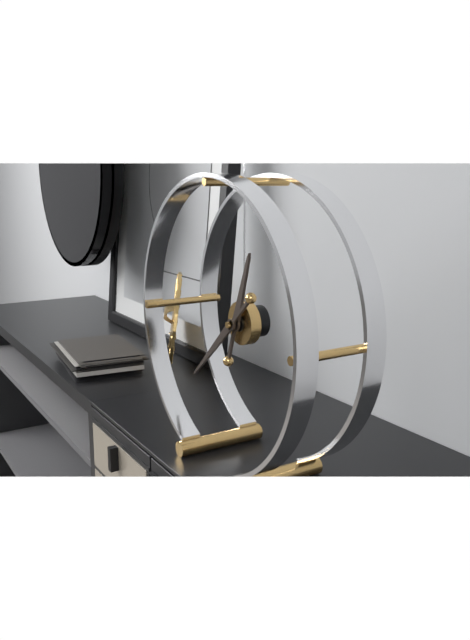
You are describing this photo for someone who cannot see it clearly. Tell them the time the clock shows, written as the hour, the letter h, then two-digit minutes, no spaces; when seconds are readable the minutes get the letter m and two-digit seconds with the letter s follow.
12h38
